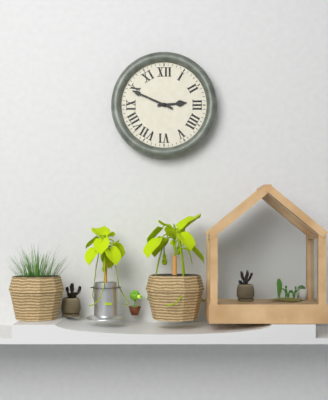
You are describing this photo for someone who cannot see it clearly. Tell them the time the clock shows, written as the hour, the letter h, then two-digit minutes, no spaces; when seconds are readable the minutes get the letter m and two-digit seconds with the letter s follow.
2h49
